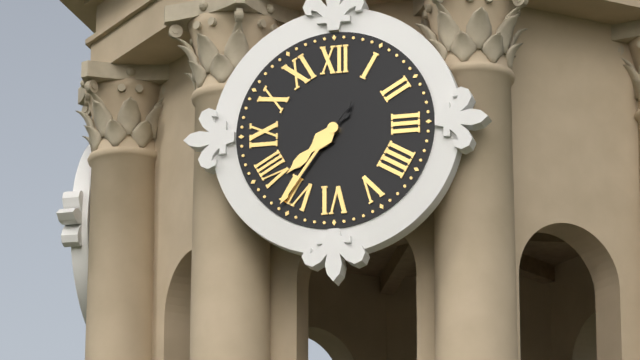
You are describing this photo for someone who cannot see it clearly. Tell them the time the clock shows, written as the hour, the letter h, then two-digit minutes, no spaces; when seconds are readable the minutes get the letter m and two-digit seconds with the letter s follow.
7h36
